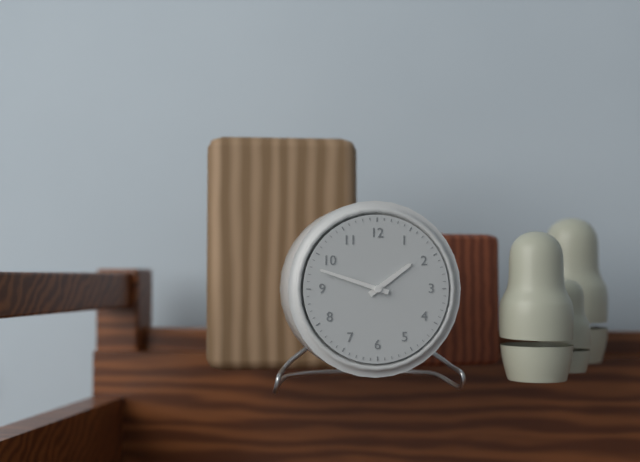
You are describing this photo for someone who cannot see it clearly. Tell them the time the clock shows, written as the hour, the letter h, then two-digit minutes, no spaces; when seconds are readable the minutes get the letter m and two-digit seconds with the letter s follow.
1h48
